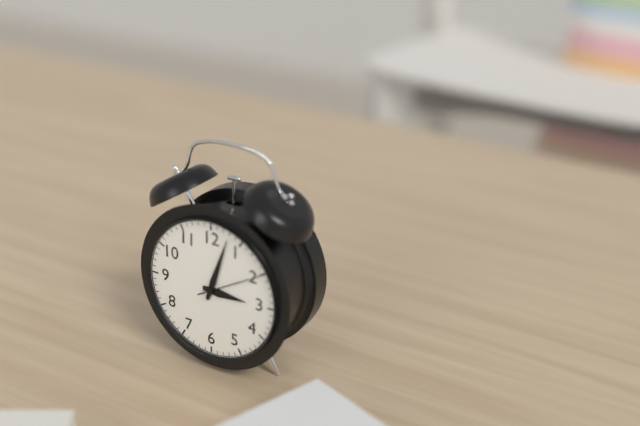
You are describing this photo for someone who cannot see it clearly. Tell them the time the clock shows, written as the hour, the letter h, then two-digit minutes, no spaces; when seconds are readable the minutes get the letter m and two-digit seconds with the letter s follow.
3h03
